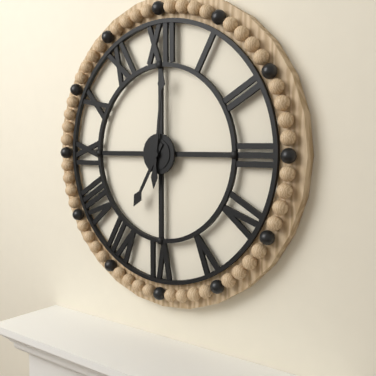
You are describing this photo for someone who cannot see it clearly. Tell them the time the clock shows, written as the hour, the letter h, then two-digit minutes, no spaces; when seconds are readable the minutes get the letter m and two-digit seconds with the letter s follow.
7h01
